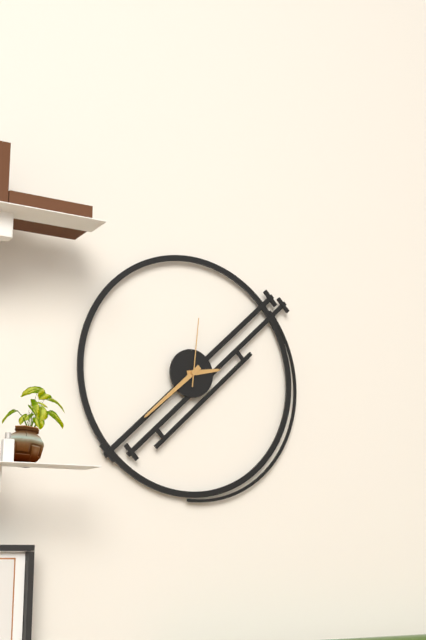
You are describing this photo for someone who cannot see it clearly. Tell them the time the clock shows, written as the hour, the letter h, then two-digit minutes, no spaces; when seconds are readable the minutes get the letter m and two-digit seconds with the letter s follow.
2h38m01s
